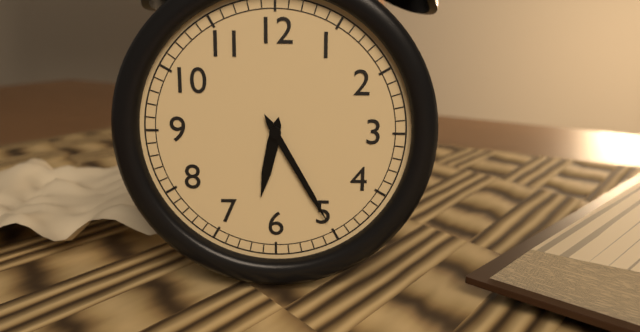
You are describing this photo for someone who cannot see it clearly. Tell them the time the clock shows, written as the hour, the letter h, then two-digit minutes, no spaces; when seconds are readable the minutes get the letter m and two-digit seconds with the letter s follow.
6h25
